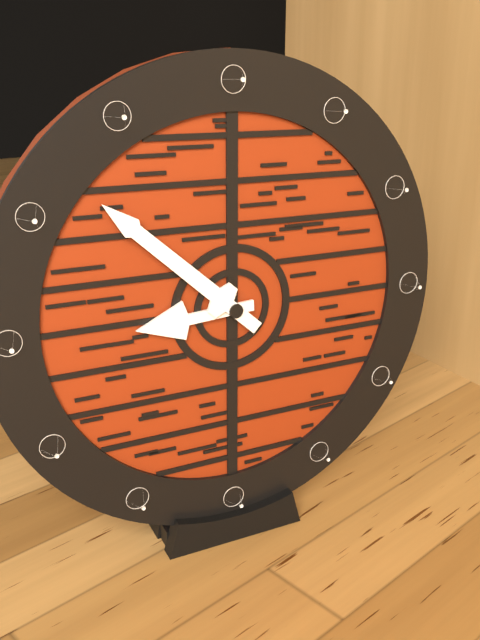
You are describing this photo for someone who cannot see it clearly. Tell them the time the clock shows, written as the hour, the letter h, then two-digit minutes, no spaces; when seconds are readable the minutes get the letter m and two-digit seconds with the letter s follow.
8h52
